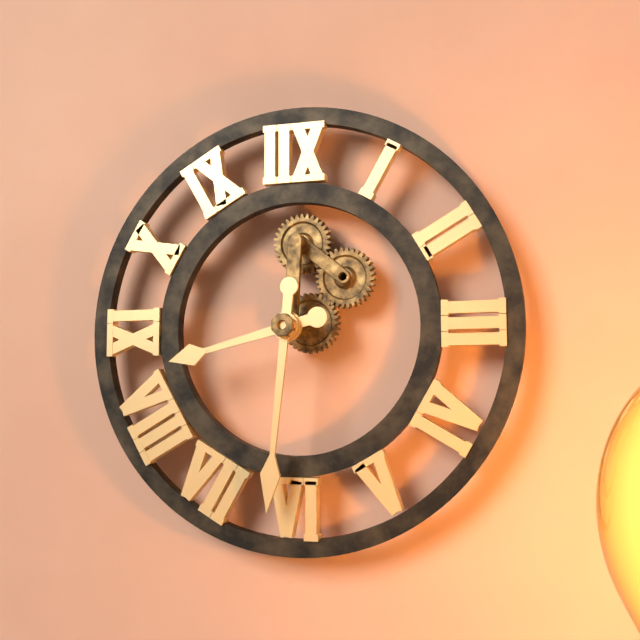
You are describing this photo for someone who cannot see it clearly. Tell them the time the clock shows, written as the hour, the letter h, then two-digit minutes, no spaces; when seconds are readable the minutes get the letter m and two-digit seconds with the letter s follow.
8h31
